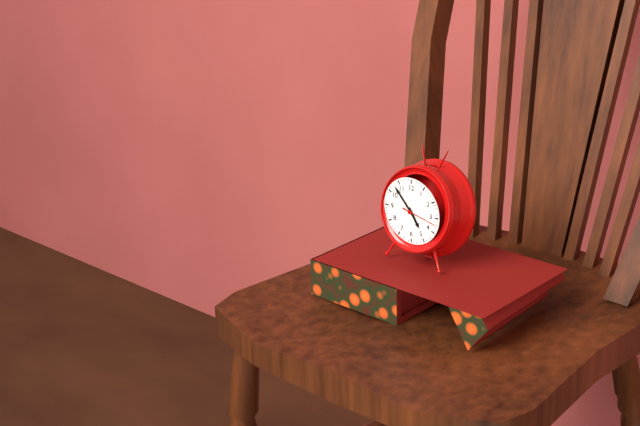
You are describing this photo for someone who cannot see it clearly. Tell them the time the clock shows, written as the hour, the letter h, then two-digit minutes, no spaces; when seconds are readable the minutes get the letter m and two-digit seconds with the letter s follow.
4h53
